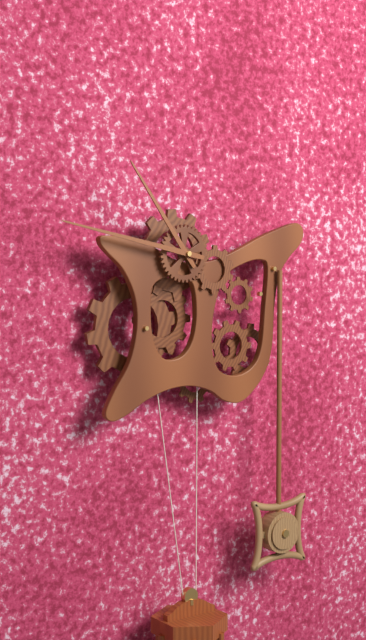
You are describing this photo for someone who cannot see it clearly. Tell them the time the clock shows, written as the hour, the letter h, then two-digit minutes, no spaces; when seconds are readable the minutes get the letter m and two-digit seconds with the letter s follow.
10h47
